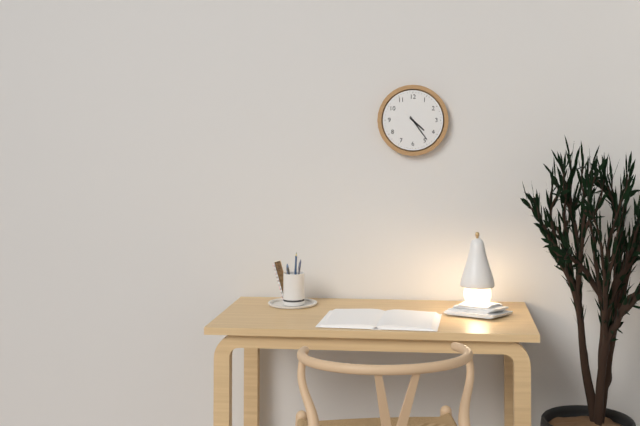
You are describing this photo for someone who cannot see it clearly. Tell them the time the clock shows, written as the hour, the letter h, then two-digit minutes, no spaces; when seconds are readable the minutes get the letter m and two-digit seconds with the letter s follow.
4h24
